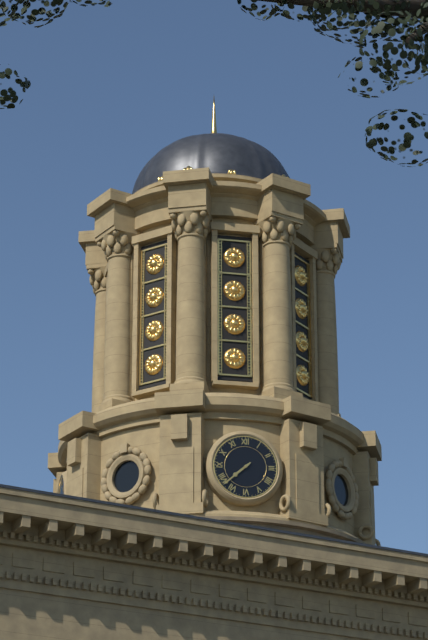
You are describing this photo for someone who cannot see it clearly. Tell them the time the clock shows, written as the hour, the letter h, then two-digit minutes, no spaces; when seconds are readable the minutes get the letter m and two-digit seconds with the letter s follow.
7h38
